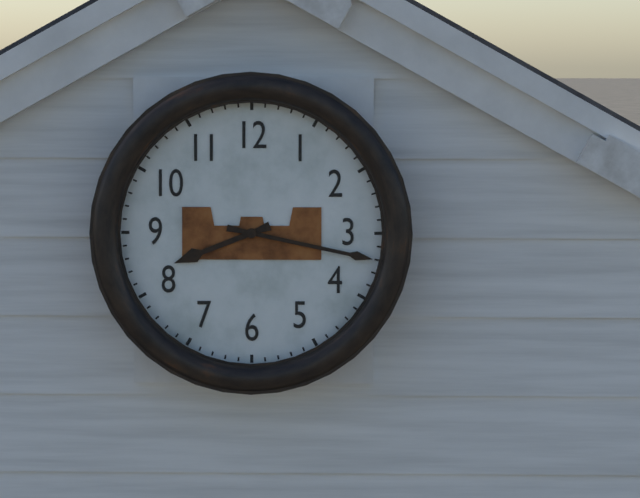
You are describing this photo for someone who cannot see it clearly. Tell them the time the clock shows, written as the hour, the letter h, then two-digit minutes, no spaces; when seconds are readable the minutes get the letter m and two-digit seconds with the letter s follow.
8h17
